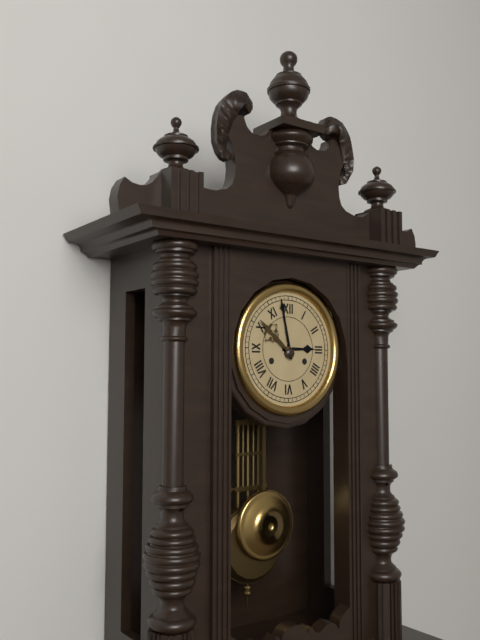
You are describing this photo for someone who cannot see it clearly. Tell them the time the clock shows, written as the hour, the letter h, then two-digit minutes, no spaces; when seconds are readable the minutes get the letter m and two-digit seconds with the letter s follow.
2h58
